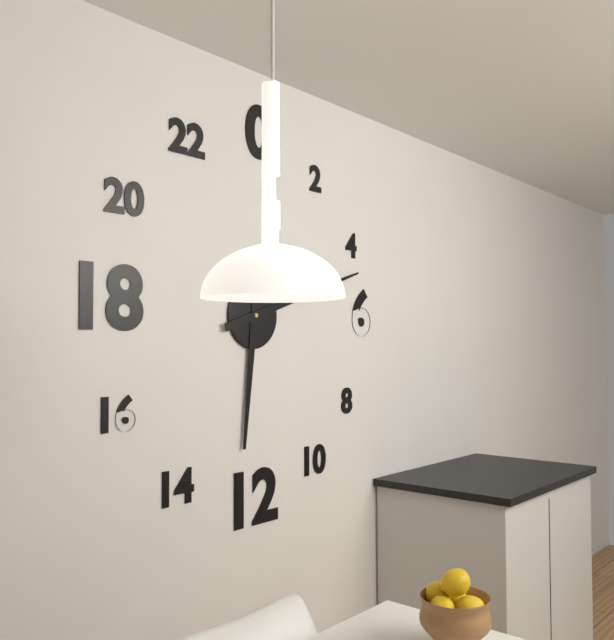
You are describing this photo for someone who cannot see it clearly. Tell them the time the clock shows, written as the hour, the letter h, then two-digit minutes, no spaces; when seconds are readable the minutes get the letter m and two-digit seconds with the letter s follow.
6h12
